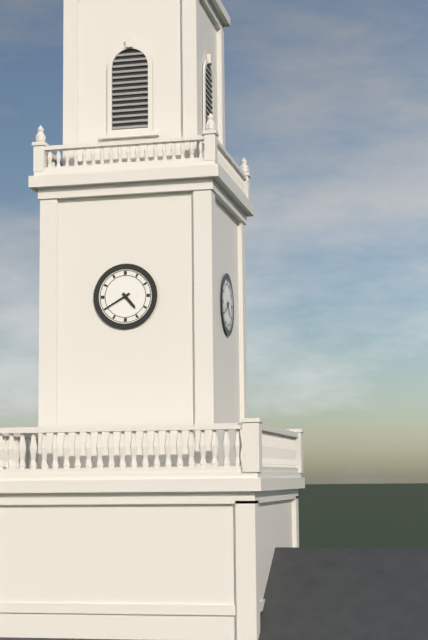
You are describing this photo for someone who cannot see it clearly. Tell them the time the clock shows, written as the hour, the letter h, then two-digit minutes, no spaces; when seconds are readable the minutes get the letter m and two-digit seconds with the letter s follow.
4h40
